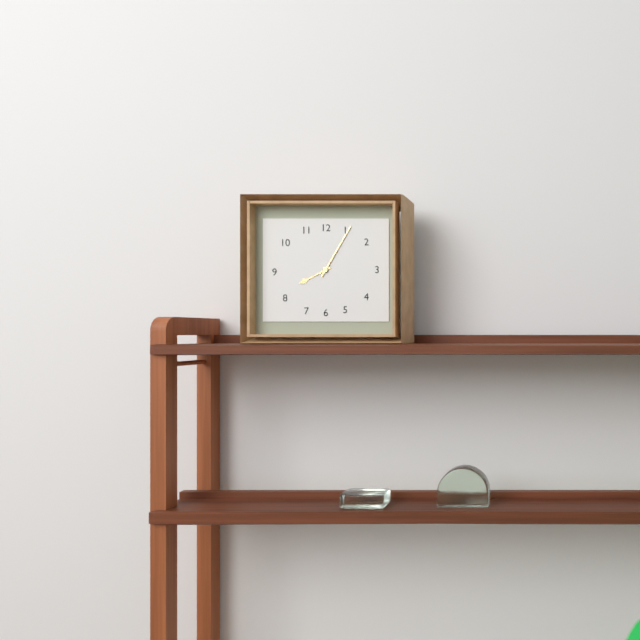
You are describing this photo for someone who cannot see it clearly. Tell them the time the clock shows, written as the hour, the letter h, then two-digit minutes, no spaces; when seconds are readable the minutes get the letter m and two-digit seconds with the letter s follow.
8h05
